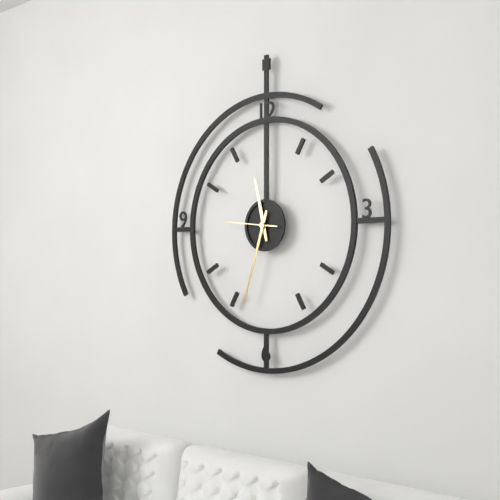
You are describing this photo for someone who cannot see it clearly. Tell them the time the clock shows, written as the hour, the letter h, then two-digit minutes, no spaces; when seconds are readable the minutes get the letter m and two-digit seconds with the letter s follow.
11h33m46s
